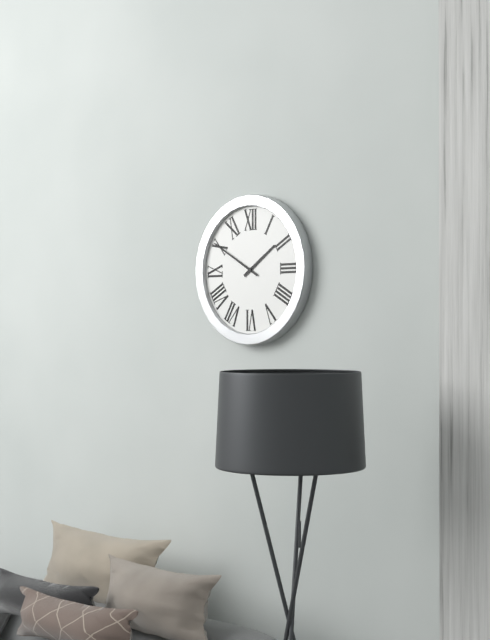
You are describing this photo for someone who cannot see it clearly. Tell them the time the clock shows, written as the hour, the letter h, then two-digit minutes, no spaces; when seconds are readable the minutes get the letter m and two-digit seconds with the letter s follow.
1h50
